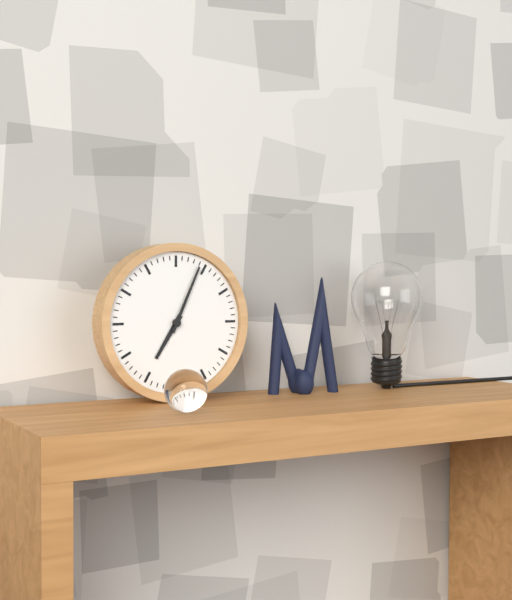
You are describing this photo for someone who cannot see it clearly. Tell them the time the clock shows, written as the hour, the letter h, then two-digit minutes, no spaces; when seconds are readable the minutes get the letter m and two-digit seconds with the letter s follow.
7h04
